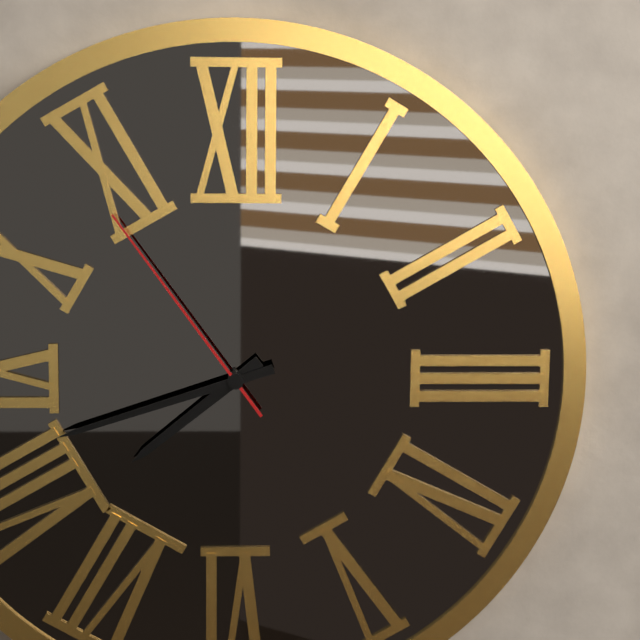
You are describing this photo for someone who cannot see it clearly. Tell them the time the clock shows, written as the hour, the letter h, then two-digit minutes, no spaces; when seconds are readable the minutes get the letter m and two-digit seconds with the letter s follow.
7h42m54s
